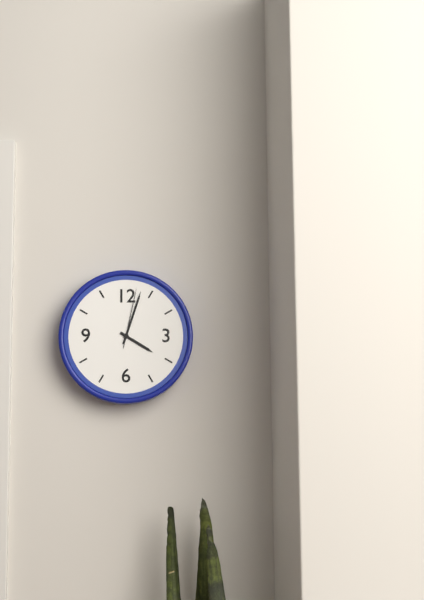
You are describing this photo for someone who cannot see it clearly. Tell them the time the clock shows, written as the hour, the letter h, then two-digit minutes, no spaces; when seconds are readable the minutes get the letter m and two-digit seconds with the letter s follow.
4h03m02s
